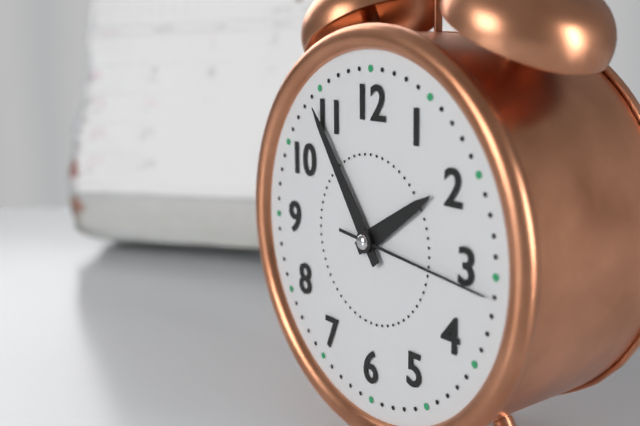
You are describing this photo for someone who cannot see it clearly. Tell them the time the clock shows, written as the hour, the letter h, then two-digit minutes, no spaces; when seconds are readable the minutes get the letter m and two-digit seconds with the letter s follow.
1h54m16s
